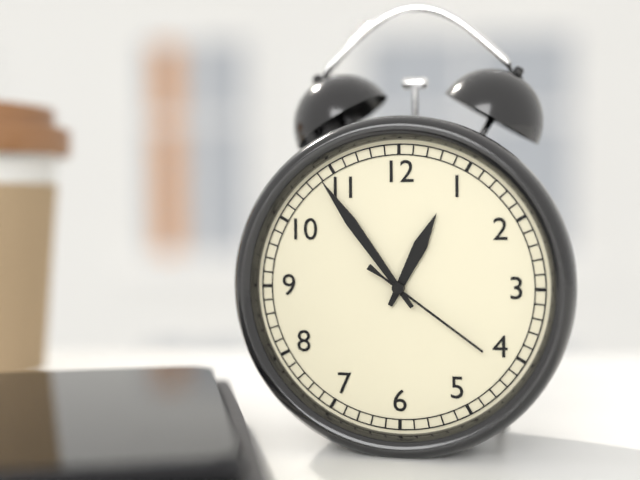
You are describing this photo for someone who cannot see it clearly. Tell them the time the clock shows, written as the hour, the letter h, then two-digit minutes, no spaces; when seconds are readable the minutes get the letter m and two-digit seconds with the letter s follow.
12h54m21s
